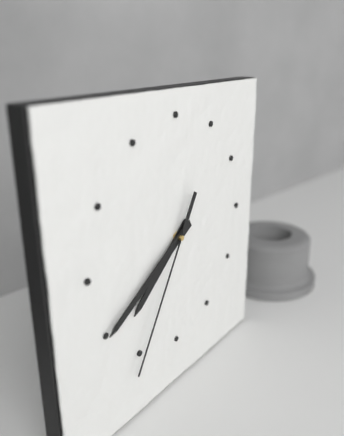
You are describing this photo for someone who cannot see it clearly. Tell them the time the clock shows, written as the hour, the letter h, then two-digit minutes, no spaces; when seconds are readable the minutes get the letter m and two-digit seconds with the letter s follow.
7h40m35s
